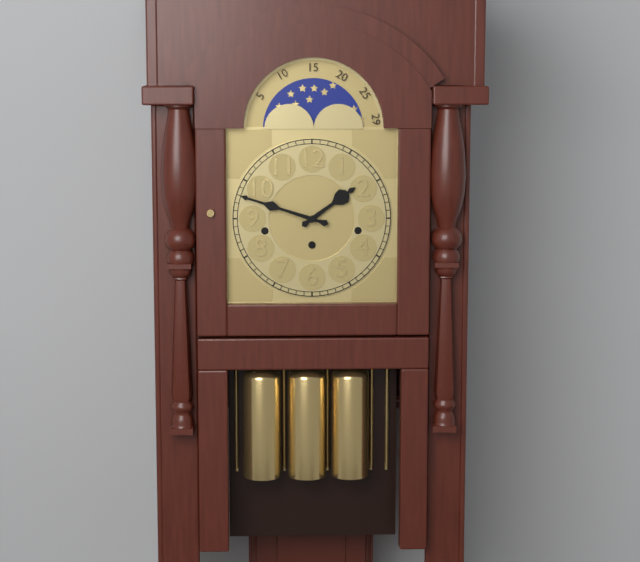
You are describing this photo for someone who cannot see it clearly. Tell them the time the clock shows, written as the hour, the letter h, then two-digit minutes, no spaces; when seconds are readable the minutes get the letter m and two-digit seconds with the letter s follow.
1h48
